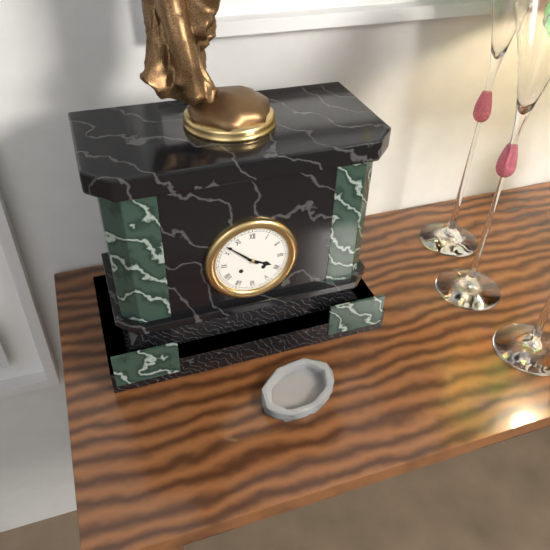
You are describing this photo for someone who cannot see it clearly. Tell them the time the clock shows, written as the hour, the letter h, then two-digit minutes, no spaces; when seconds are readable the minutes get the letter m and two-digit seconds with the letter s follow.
3h52
